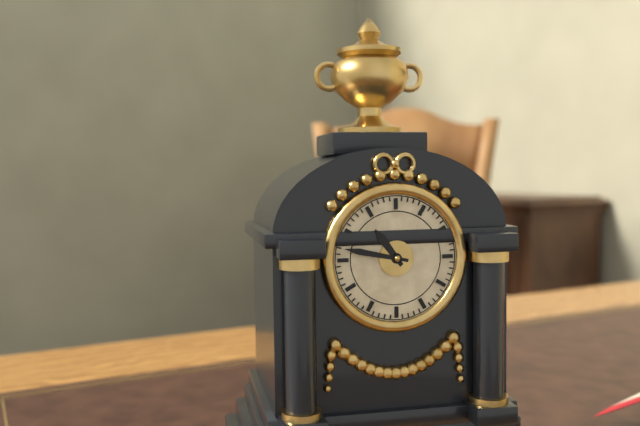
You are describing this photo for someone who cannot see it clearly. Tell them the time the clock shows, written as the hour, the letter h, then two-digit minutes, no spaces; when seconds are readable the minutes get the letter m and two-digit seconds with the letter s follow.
10h47
